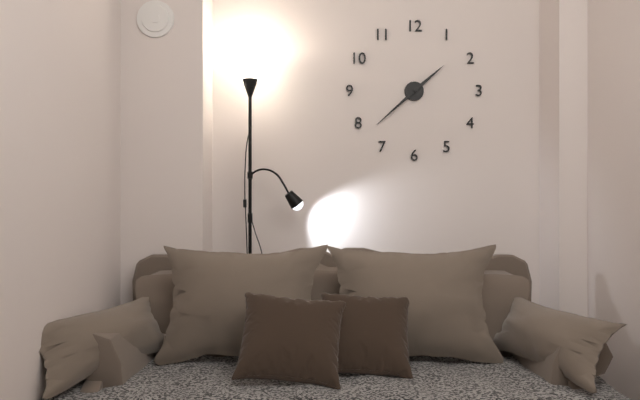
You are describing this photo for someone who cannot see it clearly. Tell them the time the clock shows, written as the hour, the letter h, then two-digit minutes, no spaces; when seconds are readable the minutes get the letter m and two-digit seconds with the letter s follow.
1h38
